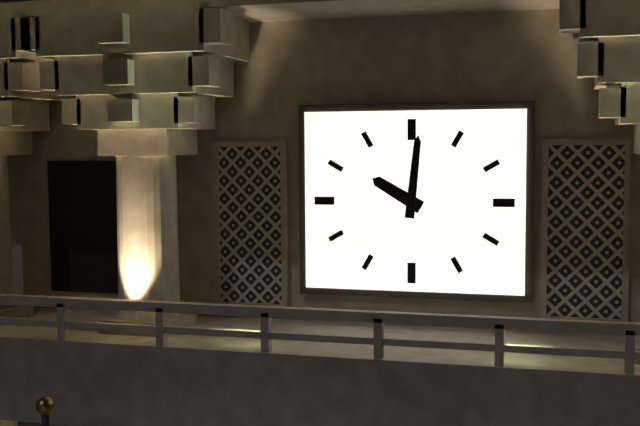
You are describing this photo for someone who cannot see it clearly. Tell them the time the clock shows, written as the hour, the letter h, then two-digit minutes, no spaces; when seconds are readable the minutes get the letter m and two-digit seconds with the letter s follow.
10h01
